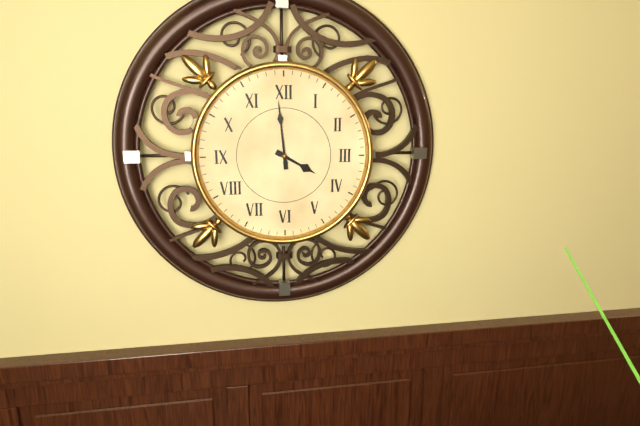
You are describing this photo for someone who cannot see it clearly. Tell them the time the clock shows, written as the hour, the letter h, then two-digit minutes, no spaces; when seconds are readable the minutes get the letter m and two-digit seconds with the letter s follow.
3h59
